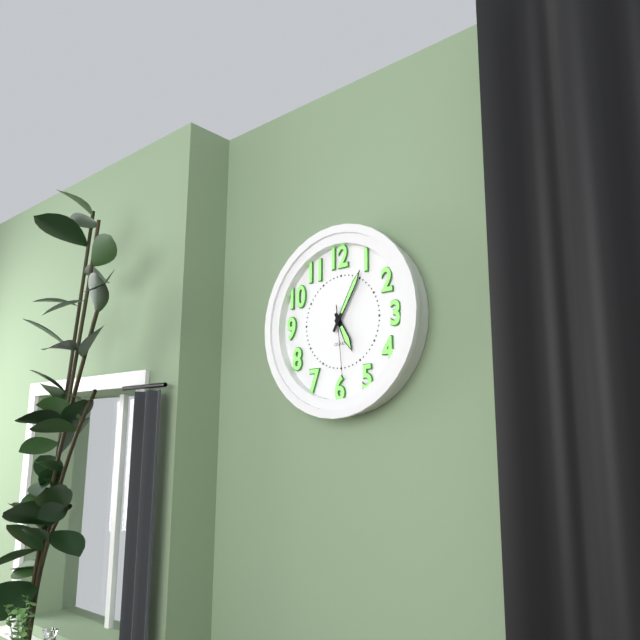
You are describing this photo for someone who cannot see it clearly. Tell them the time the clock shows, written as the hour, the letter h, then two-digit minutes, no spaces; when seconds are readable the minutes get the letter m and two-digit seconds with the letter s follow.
5h05m29s
